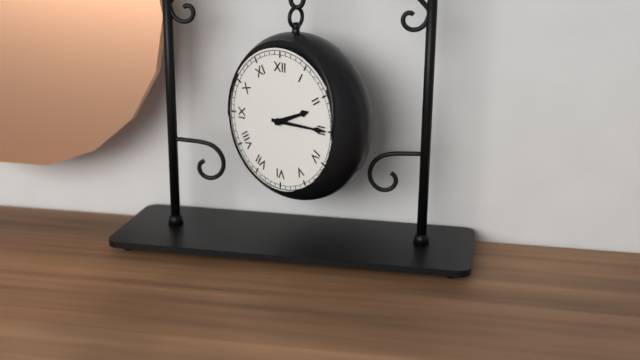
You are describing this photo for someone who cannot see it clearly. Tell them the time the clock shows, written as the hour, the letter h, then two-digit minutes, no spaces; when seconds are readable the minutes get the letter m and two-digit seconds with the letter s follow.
2h15
